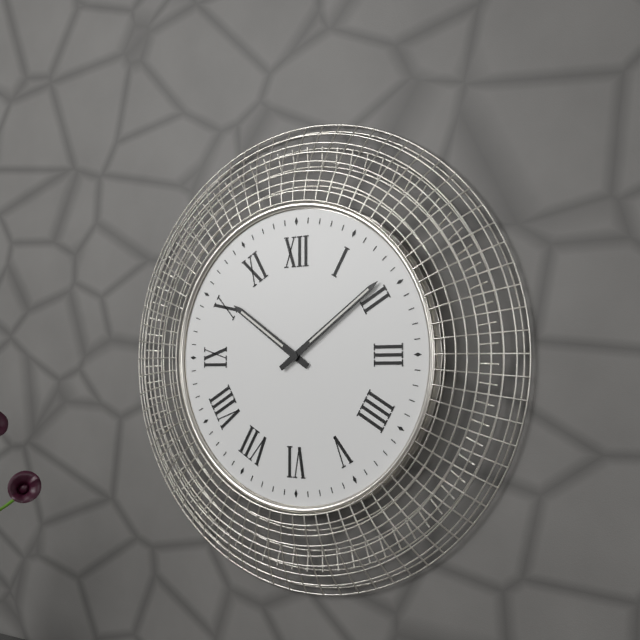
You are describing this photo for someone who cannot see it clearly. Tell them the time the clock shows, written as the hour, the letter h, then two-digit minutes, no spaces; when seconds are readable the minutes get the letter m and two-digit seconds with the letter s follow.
10h09
